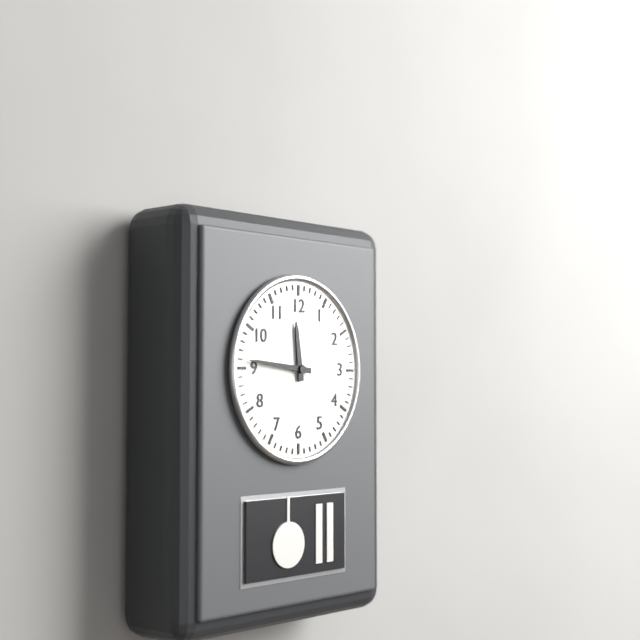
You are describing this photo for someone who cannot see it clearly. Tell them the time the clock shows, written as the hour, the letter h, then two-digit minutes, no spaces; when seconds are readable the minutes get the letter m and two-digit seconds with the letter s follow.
11h46
